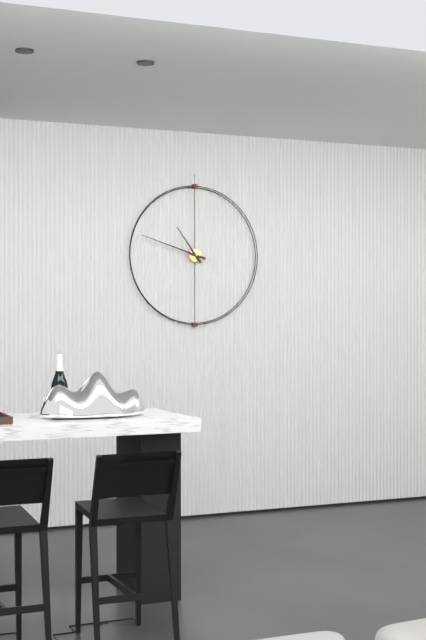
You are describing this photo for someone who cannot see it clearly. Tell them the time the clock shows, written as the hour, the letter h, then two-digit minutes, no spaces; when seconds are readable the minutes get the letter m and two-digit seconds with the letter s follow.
10h48
